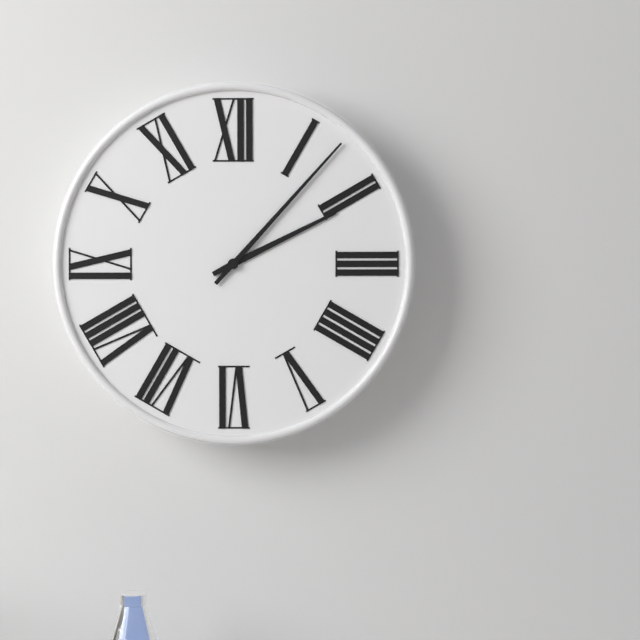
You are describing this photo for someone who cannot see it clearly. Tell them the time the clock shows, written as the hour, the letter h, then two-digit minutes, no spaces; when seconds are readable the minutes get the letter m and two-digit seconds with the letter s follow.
2h07
